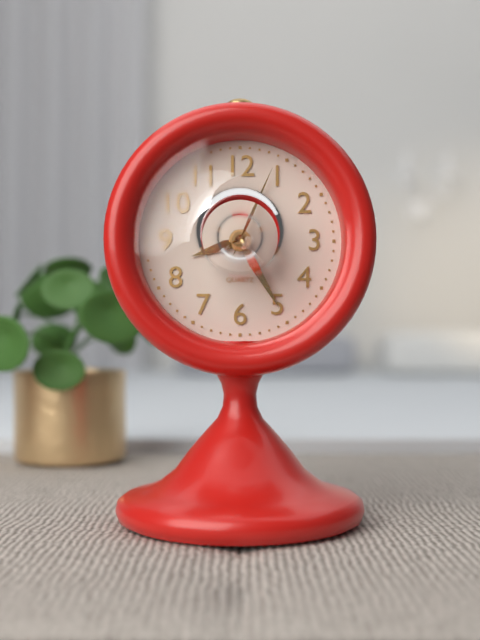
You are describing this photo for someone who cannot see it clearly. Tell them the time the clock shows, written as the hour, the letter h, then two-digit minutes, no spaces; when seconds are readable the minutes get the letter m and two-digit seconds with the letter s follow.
8h25m04s
